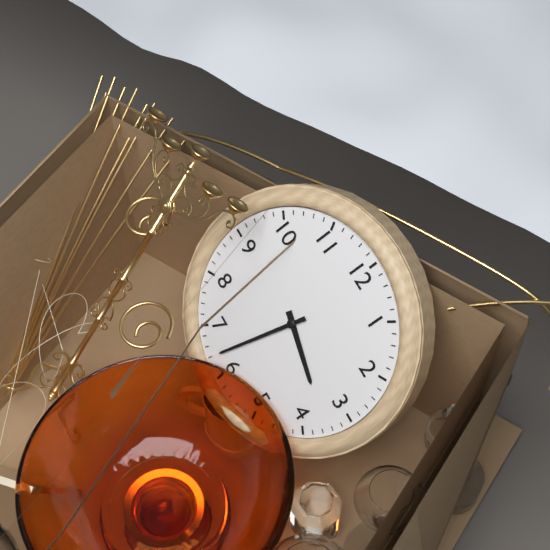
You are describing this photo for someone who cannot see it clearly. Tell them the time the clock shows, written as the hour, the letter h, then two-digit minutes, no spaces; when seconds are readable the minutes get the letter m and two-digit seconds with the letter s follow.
3h32
